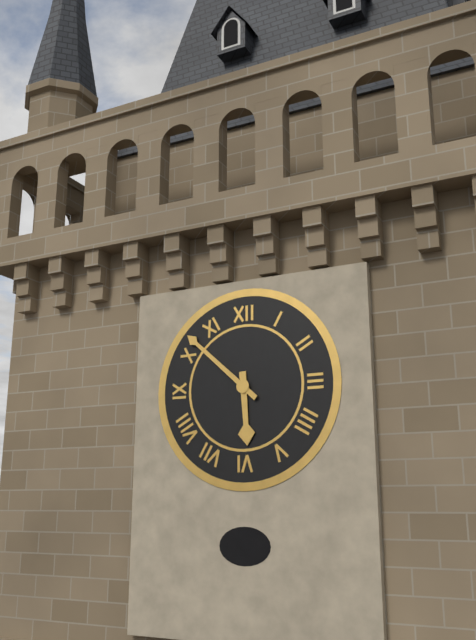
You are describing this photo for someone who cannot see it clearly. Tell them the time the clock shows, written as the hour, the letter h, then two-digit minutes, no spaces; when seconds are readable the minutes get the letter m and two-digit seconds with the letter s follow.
5h52
